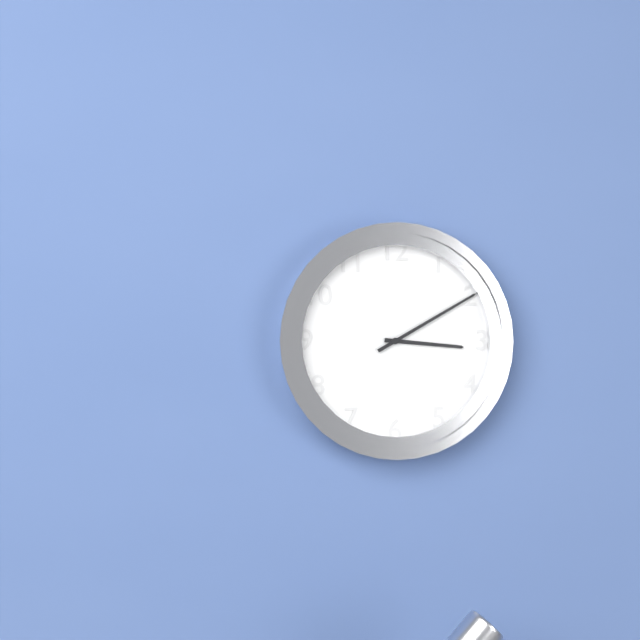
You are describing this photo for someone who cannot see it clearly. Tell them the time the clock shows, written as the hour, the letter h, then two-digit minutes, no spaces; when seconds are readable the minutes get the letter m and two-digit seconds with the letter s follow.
3h10
